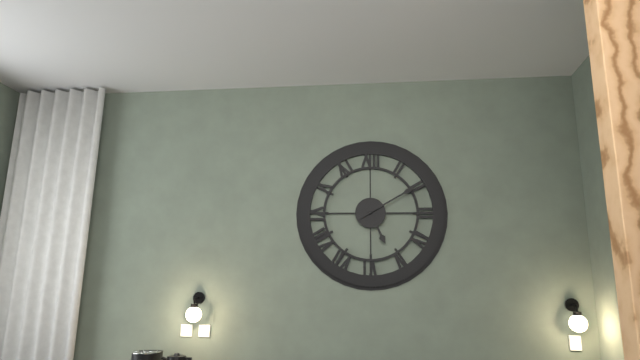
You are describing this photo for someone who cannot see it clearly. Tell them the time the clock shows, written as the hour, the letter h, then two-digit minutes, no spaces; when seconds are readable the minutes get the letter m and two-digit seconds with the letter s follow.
5h10
